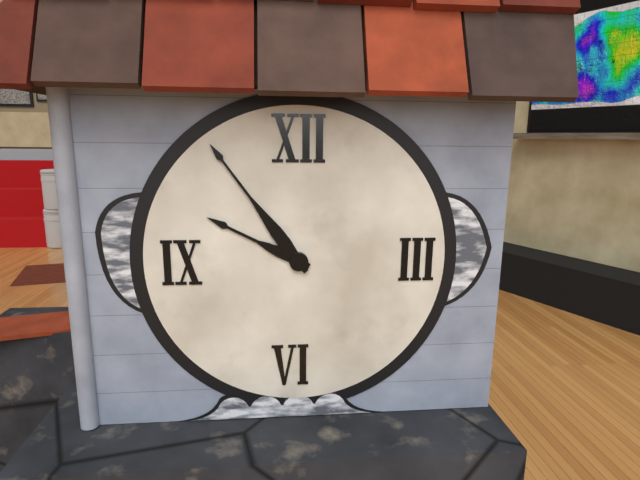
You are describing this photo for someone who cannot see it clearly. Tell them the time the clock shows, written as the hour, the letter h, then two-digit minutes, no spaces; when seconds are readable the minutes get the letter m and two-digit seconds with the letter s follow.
9h54
